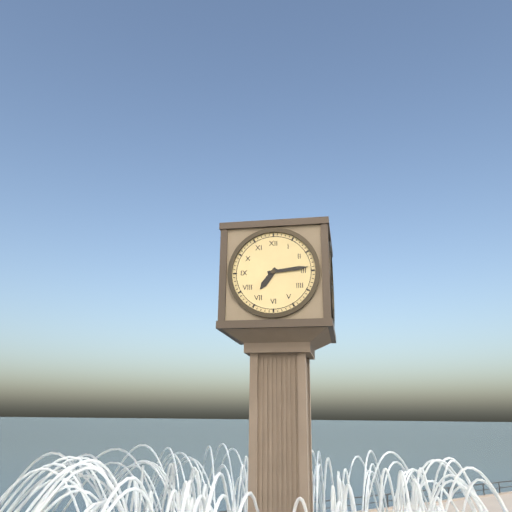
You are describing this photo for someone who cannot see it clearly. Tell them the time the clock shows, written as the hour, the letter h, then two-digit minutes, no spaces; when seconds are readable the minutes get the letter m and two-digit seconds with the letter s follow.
7h14
